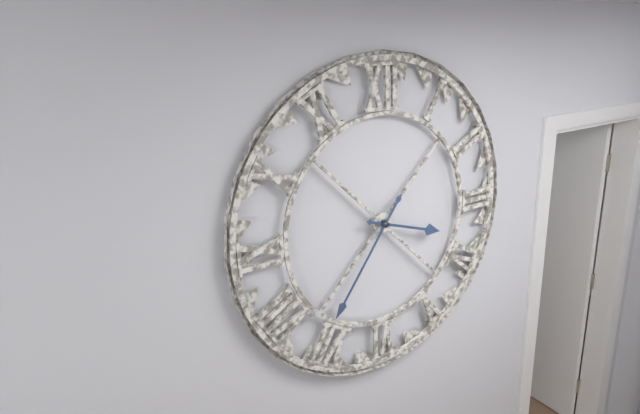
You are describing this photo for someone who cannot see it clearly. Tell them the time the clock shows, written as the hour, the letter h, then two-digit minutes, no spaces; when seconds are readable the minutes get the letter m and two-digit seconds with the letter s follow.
3h36
